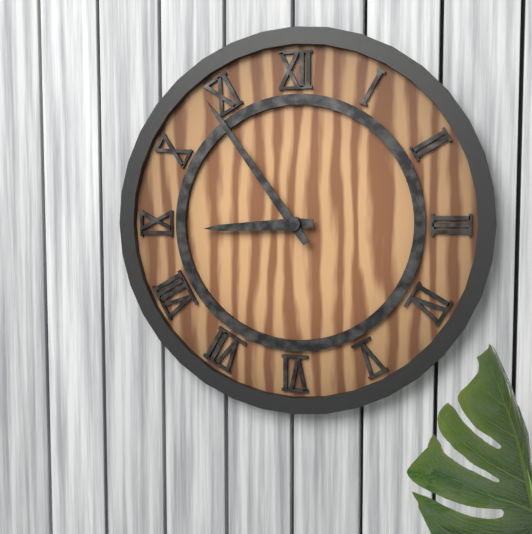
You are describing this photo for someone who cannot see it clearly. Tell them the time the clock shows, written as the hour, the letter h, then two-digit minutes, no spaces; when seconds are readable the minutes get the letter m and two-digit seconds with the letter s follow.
8h54
